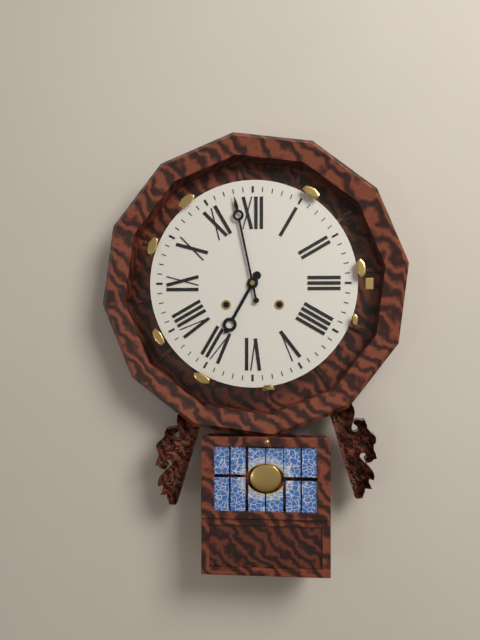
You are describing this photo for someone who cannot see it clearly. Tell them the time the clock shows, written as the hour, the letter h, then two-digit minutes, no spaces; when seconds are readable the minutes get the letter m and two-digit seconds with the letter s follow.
6h58
